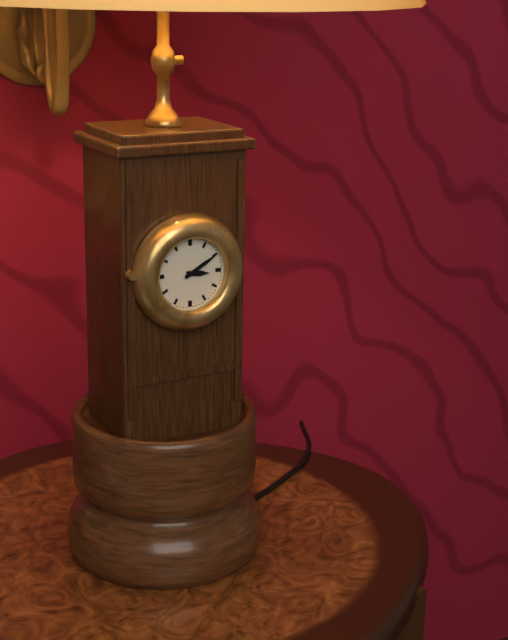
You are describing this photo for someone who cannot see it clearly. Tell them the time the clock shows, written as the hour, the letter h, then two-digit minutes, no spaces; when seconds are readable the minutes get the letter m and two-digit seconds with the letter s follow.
3h10
